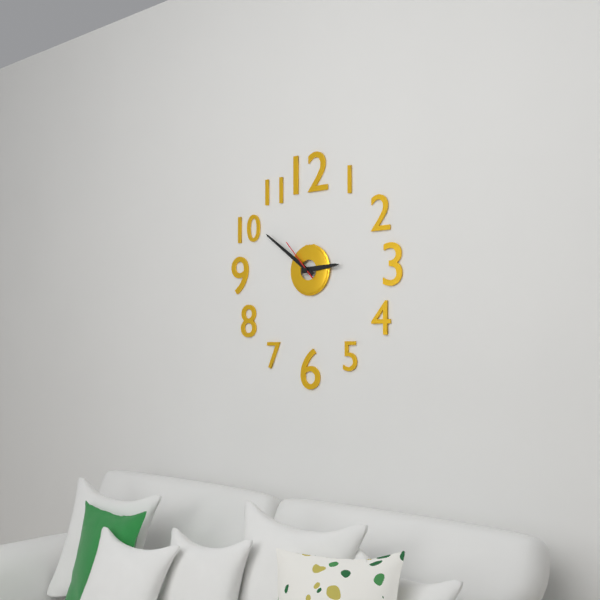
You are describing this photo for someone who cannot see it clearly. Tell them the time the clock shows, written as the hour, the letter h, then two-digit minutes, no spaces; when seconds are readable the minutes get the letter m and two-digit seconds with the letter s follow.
2h51
